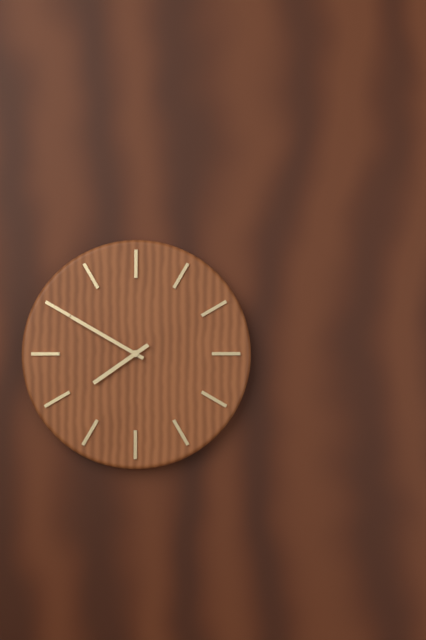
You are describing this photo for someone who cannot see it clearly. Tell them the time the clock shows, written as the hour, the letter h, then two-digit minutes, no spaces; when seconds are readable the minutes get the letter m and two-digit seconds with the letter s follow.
7h50
